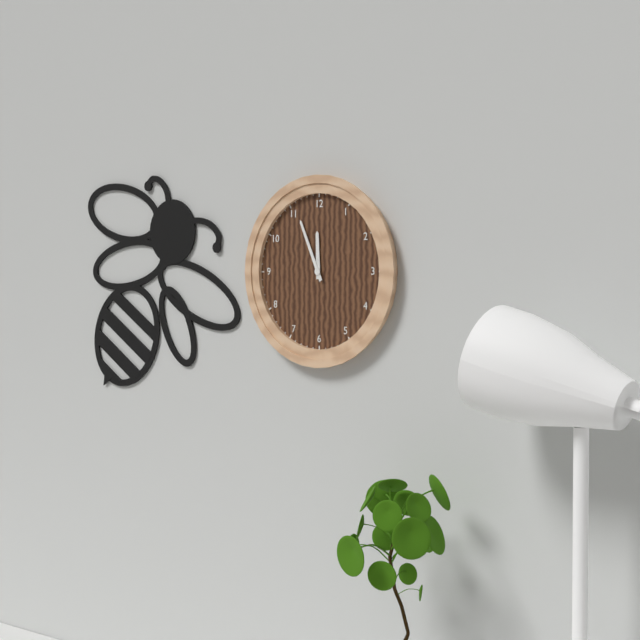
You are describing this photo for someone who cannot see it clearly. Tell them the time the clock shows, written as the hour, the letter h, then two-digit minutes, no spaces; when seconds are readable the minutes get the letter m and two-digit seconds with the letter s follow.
11h56
